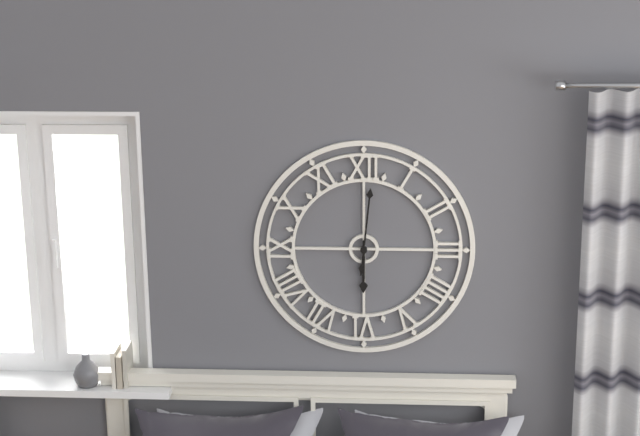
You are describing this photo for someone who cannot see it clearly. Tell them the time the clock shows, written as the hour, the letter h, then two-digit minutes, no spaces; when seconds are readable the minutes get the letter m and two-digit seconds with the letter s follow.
6h01
